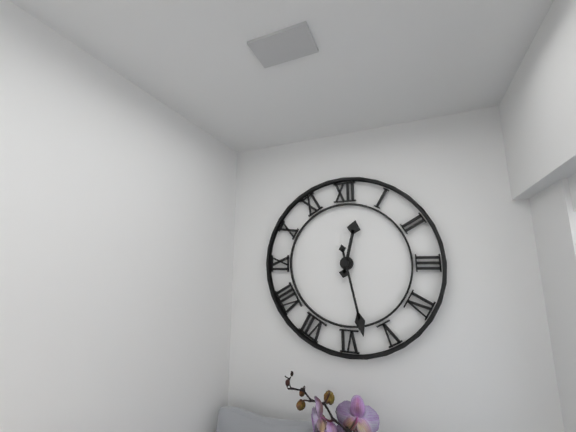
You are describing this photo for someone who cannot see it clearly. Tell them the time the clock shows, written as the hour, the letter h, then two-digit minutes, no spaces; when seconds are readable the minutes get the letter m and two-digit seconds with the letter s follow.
12h28
